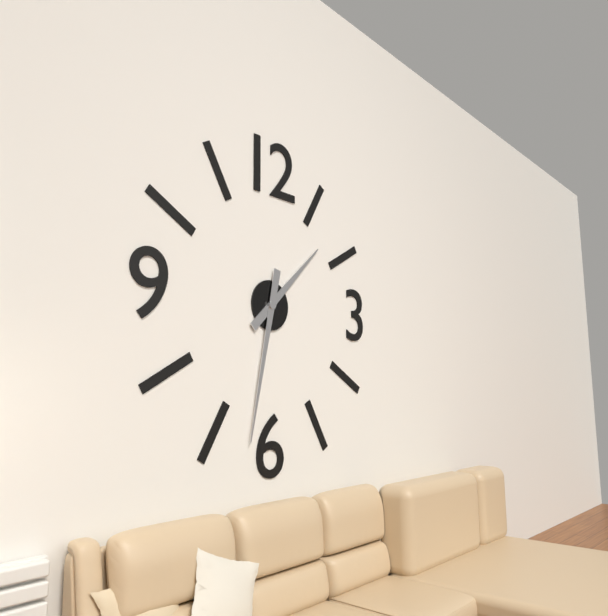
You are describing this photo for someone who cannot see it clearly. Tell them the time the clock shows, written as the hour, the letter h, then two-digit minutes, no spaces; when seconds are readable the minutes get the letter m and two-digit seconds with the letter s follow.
1h32
